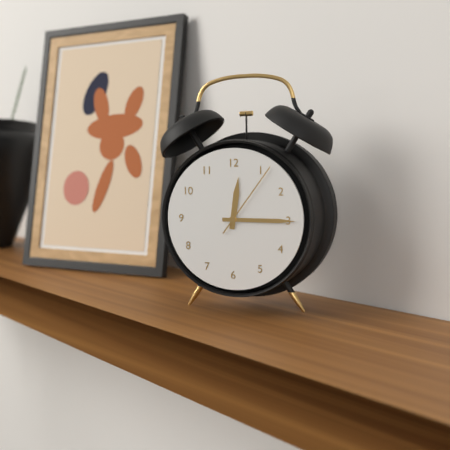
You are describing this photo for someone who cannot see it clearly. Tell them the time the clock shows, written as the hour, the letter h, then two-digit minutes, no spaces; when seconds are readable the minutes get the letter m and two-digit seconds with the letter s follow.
12h15m06s
